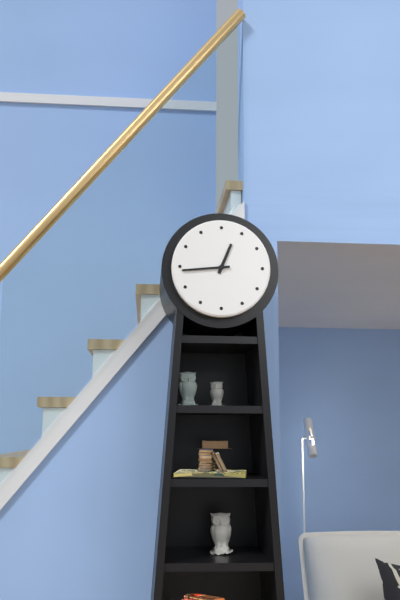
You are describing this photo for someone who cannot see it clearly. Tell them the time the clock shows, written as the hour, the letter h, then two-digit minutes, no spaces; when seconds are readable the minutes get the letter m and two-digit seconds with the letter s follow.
12h44
